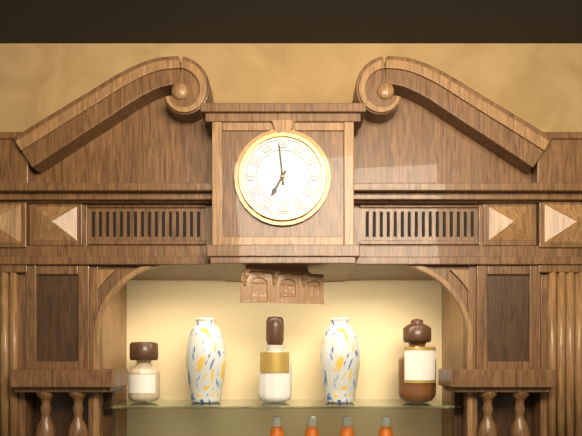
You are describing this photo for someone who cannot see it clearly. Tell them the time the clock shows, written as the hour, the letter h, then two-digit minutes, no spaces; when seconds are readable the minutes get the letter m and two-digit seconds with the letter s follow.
6h59
